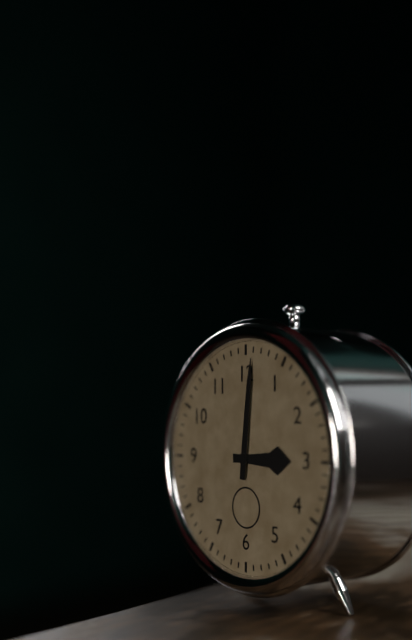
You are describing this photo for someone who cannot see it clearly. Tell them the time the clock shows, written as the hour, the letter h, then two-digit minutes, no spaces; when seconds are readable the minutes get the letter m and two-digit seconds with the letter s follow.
3h01
